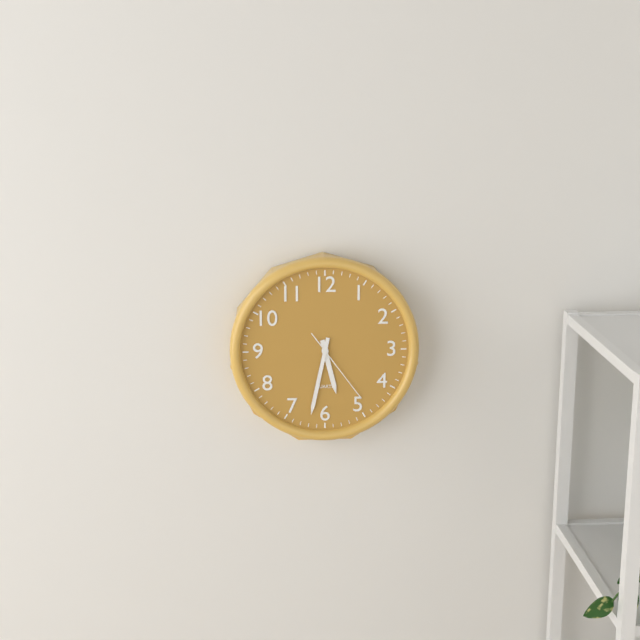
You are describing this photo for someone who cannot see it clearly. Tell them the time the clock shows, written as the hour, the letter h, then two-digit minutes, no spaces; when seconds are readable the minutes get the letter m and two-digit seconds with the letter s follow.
5h32m24s
